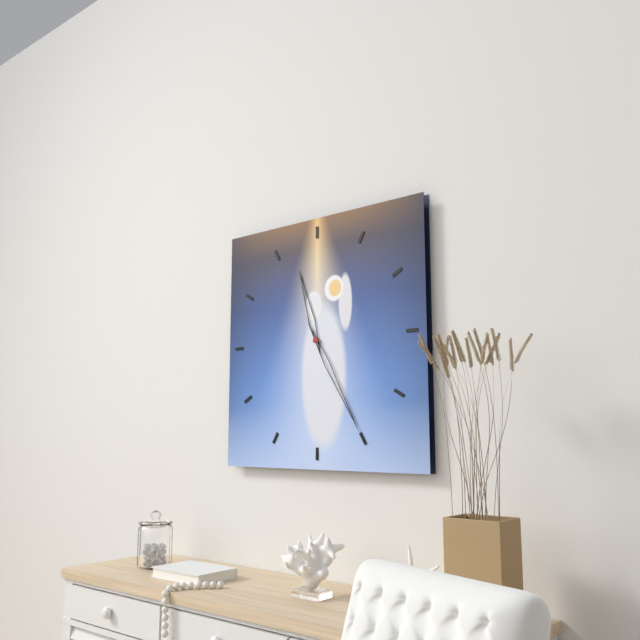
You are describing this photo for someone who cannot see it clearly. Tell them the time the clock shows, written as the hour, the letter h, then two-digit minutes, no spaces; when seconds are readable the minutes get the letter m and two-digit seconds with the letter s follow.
11h25
